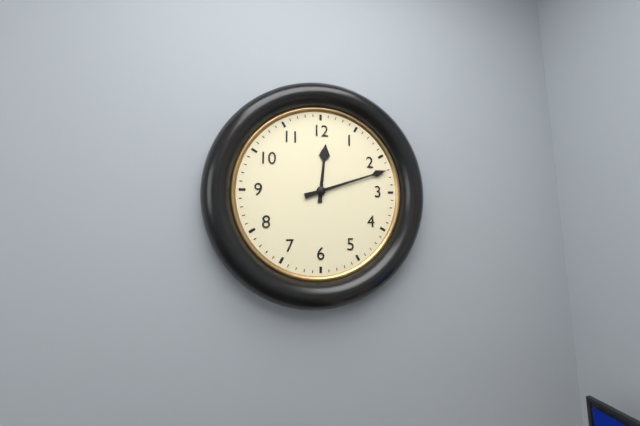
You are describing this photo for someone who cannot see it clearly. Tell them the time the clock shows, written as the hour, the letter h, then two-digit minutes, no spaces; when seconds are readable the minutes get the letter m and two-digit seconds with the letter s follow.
12h12
